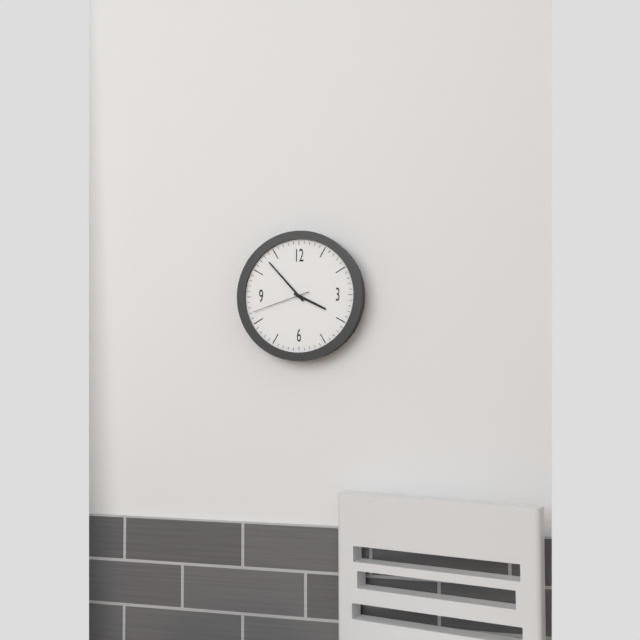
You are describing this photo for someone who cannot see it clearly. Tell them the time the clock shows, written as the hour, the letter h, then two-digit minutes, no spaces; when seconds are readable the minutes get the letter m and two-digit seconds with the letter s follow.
3h53m42s
